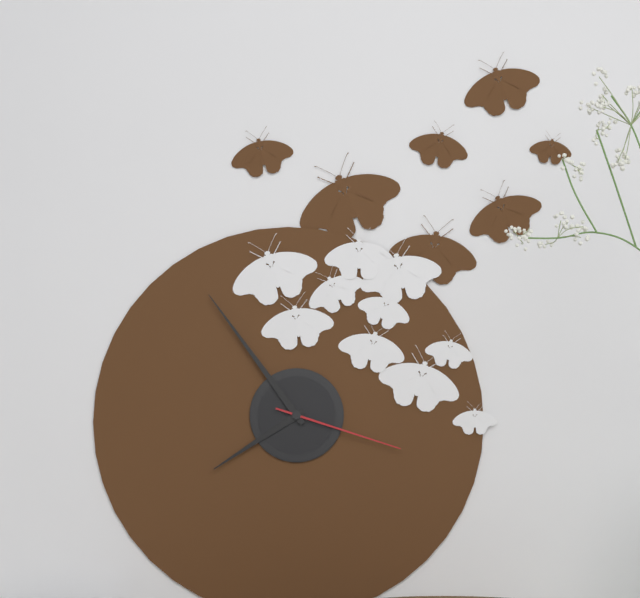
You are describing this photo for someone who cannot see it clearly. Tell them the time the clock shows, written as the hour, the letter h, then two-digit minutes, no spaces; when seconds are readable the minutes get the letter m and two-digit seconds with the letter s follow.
7h54m18s
